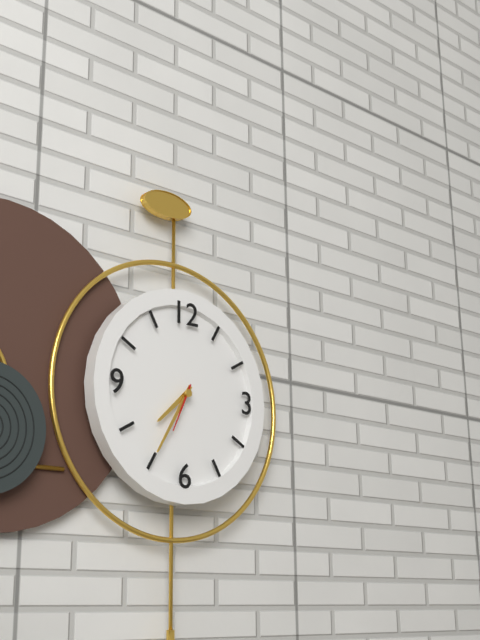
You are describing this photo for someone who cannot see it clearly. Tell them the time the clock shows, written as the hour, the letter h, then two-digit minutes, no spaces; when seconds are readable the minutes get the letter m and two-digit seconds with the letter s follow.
7h35m34s
